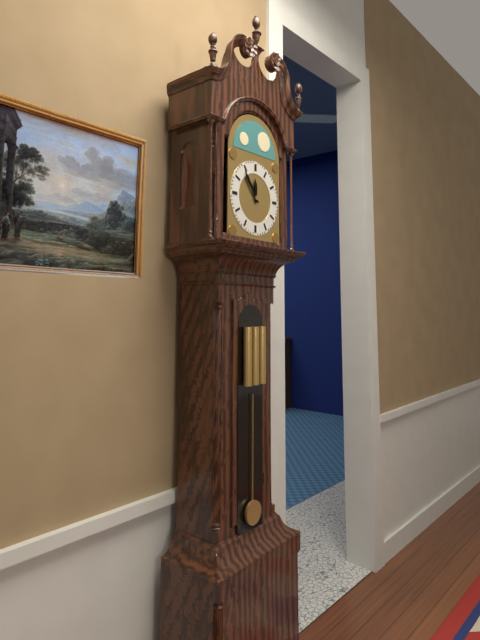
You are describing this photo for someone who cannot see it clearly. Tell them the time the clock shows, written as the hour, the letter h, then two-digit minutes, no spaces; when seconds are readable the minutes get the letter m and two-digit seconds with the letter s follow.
11h54
